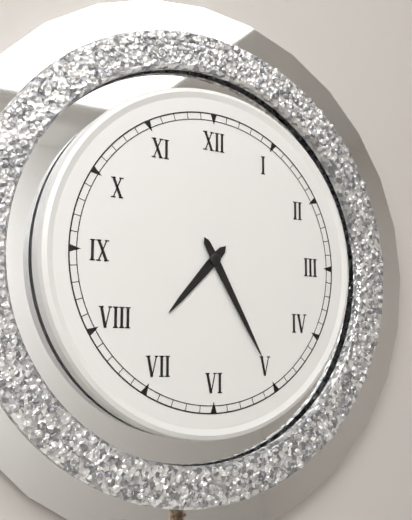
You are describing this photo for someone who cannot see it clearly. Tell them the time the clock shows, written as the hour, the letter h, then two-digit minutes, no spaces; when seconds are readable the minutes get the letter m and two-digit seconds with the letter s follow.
7h25
